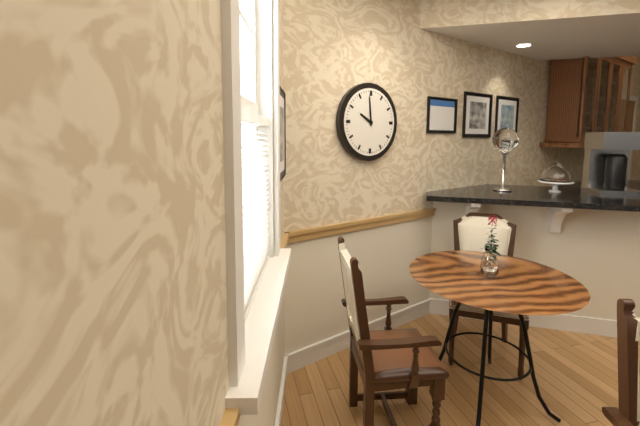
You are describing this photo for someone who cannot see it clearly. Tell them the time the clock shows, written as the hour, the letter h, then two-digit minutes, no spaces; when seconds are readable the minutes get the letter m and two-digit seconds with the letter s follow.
9h59
